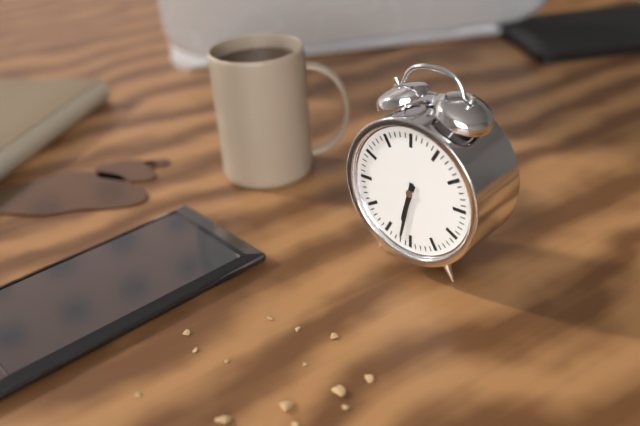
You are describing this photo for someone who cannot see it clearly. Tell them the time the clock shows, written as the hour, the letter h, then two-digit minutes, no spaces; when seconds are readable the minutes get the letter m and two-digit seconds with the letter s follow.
6h32
